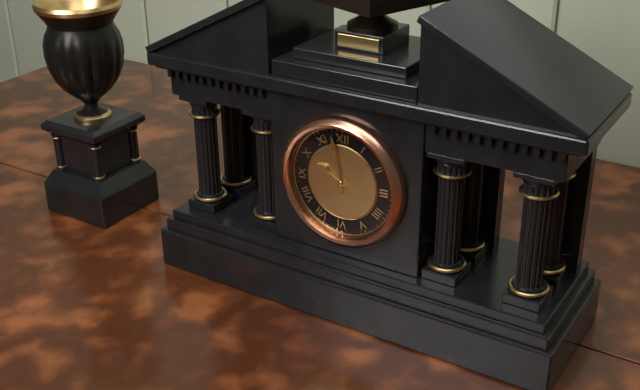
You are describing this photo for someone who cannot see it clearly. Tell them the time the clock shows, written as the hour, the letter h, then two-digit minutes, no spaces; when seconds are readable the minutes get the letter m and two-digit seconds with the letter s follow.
9h58
